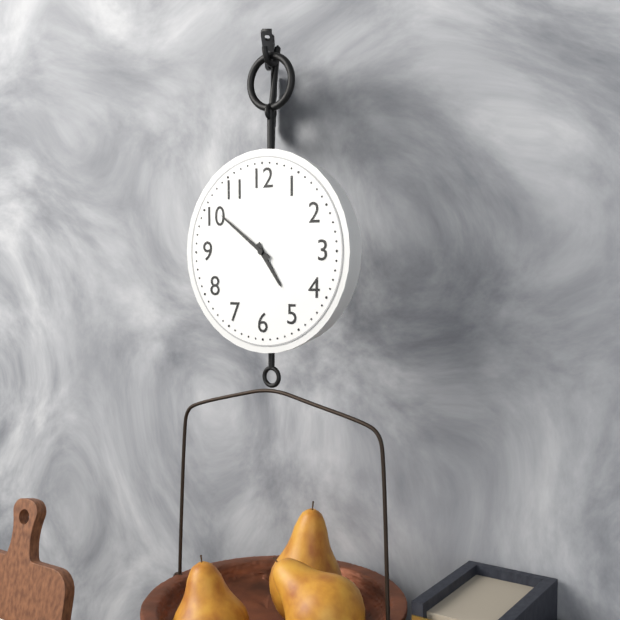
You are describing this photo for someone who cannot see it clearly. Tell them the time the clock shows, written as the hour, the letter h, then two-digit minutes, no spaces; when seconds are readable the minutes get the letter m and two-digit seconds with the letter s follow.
4h51
